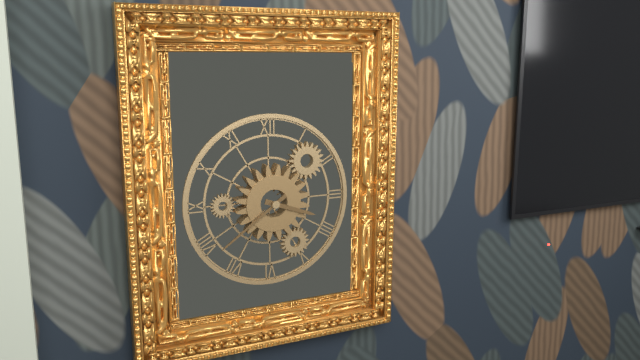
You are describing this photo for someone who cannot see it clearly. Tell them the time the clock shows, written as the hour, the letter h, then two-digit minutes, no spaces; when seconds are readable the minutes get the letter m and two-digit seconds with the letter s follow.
3h39
